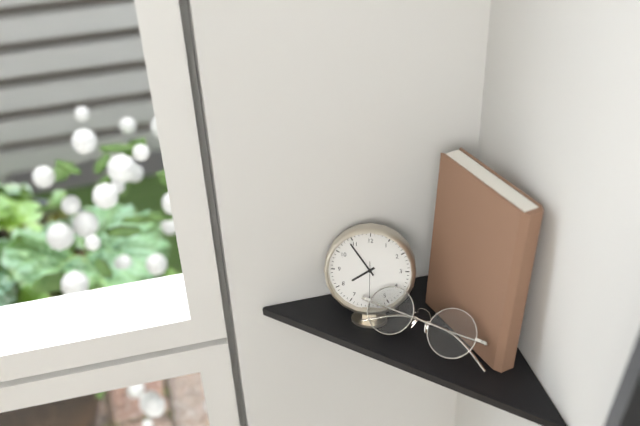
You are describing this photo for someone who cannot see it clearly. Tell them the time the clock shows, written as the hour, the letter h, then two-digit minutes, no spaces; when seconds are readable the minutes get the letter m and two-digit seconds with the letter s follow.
7h54
